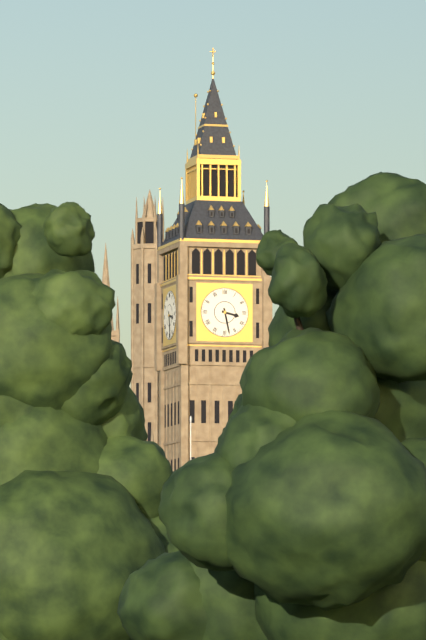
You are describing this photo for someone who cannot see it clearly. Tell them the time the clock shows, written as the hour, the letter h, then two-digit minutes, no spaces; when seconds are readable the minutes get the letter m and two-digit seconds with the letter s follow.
3h28
